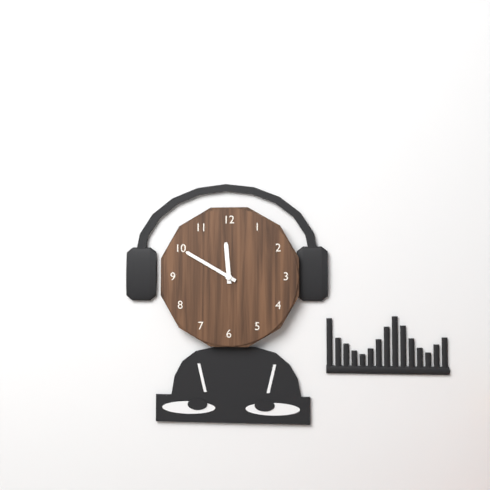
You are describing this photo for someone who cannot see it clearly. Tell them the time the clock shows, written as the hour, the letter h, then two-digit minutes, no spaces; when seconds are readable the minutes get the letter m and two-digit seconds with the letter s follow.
11h50
